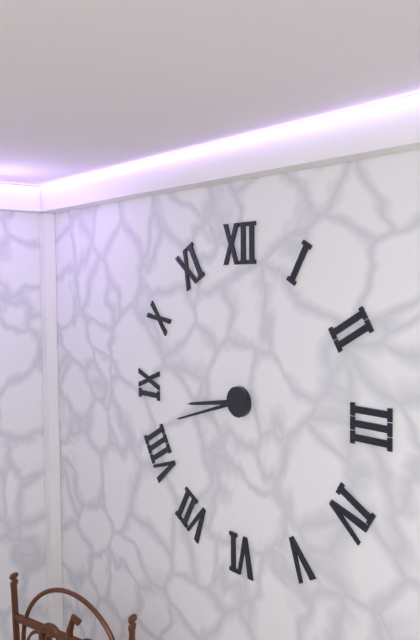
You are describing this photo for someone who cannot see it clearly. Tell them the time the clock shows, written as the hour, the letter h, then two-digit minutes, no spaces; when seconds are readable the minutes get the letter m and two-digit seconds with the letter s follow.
8h42
